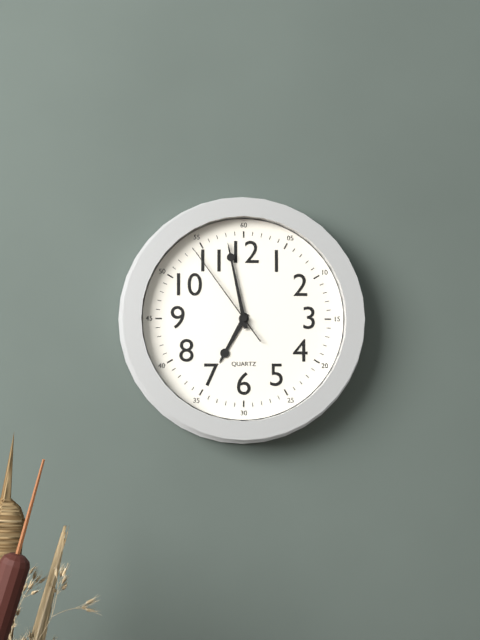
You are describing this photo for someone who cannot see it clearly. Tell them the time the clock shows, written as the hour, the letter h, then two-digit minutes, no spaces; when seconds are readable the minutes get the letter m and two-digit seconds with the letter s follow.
6h58m54s
